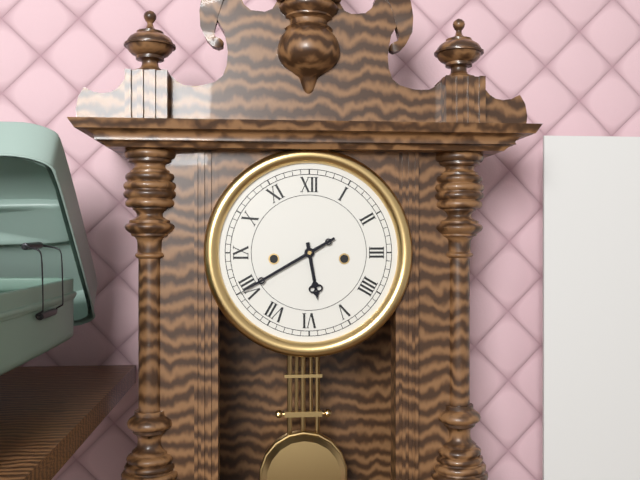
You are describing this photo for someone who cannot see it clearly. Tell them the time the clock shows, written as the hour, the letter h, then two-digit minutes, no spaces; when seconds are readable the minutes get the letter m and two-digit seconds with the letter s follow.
5h40
